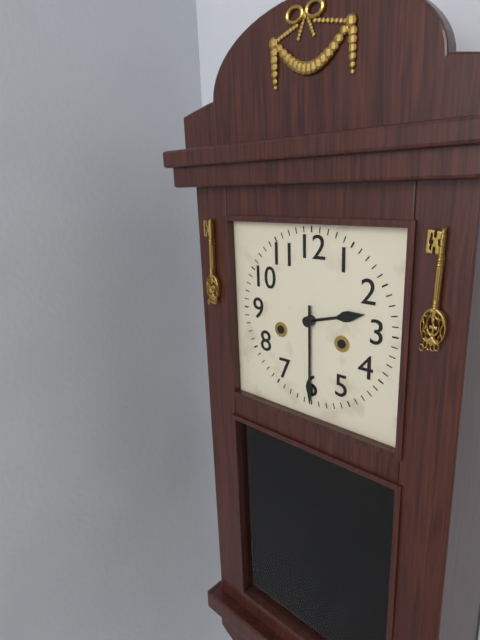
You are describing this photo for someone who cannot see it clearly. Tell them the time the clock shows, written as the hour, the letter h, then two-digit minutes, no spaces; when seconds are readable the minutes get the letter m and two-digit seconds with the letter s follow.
2h30
